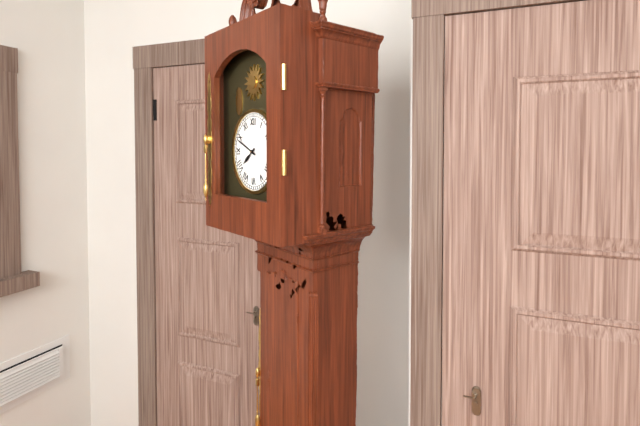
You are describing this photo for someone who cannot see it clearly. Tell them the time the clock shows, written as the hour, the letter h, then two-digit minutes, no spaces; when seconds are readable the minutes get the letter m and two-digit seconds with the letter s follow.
7h49
